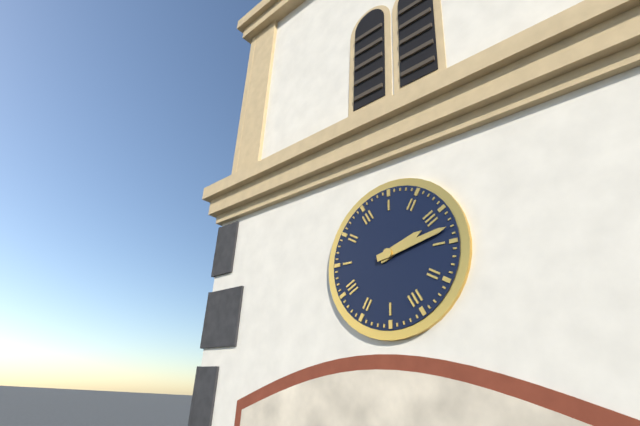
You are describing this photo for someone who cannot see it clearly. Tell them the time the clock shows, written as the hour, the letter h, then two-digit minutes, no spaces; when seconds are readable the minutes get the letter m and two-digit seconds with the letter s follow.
2h13
